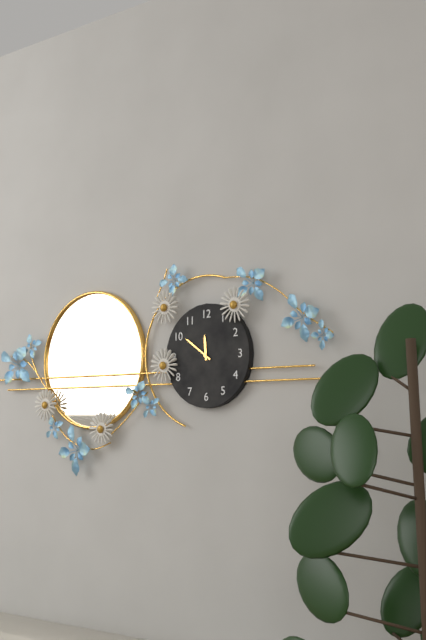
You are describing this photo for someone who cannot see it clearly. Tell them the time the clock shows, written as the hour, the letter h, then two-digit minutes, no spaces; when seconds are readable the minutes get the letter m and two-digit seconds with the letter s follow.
11h51
